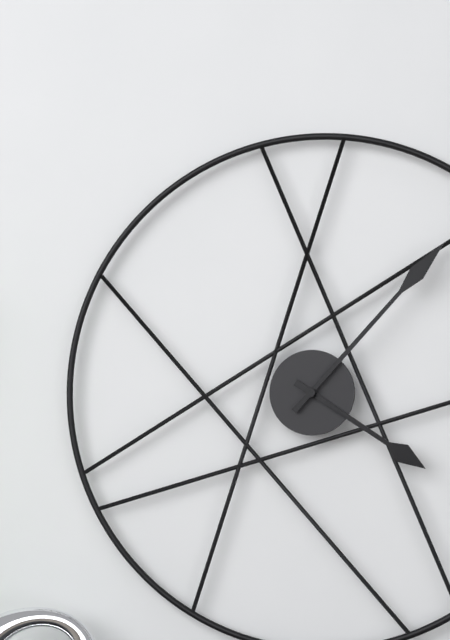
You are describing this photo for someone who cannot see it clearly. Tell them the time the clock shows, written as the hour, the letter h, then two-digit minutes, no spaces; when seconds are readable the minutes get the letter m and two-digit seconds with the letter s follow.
4h07
